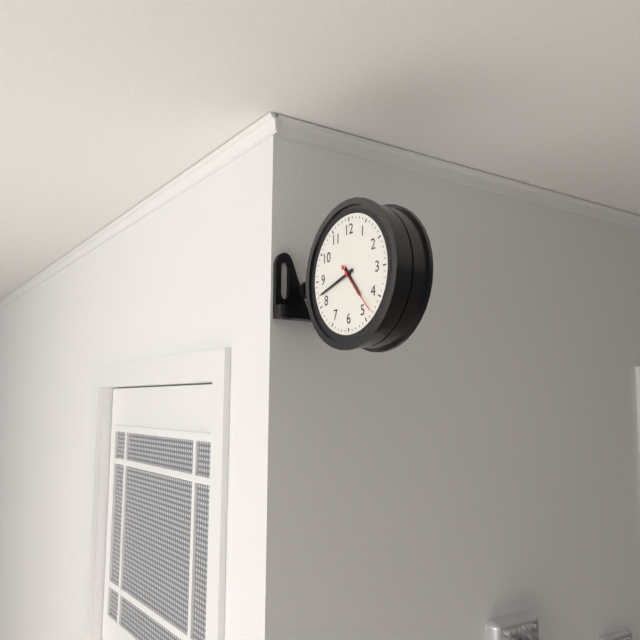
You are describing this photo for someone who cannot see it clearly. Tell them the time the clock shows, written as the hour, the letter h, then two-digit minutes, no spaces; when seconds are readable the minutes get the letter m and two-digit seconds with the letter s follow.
4h42m23s
